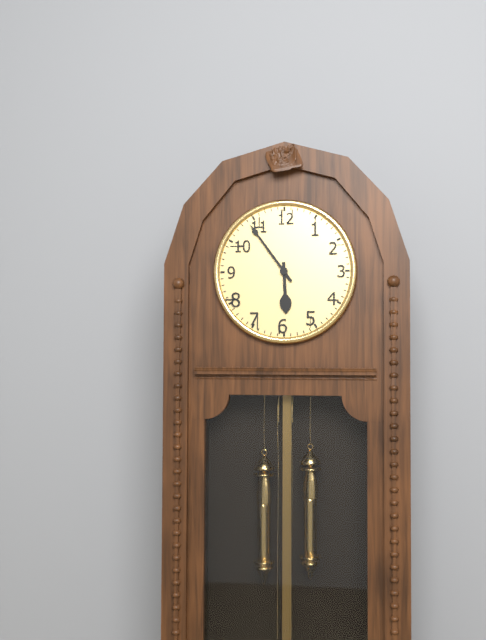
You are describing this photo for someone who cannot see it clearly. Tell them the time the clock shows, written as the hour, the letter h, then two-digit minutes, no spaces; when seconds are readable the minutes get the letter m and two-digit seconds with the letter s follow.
5h54
